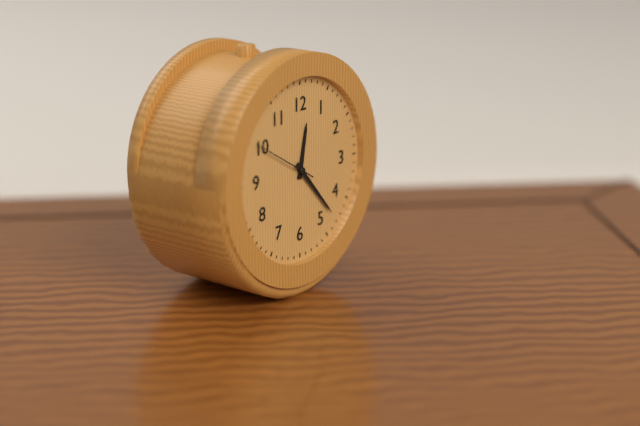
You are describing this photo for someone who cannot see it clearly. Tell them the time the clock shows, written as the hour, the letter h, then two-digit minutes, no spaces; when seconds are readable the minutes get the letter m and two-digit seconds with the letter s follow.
12h23m50s
